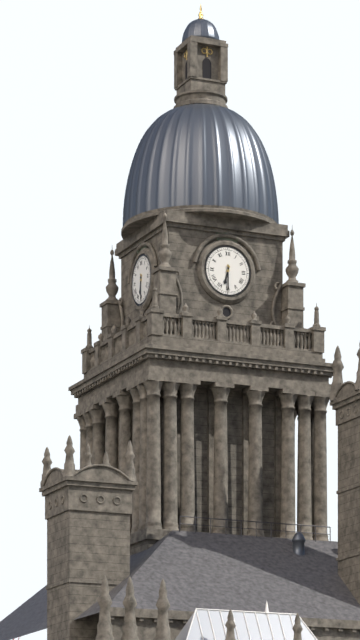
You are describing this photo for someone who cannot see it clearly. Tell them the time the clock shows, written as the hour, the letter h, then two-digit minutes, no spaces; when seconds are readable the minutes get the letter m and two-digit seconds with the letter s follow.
6h30
